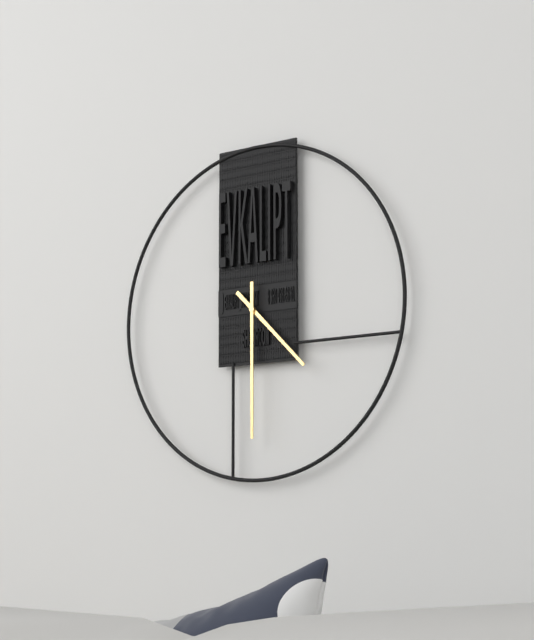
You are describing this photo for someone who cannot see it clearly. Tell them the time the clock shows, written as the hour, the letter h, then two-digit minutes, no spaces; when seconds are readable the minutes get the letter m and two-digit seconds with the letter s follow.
4h30
